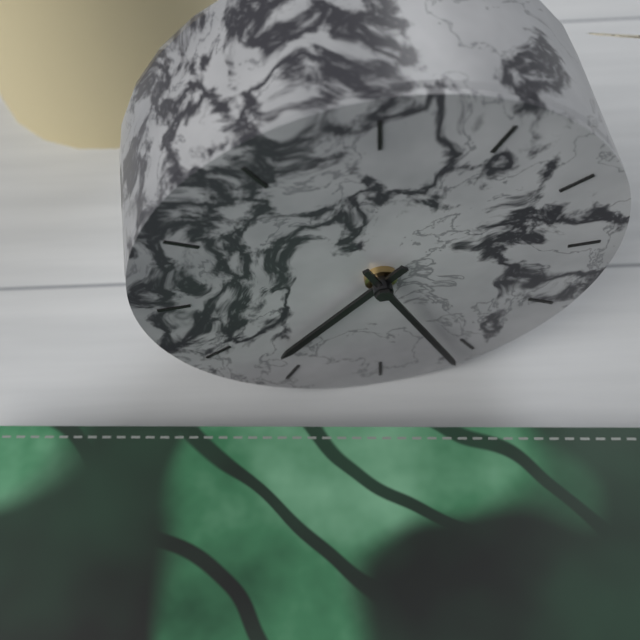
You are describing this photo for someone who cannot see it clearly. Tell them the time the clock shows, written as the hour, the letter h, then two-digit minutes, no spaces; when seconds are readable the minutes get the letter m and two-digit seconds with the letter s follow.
7h26
